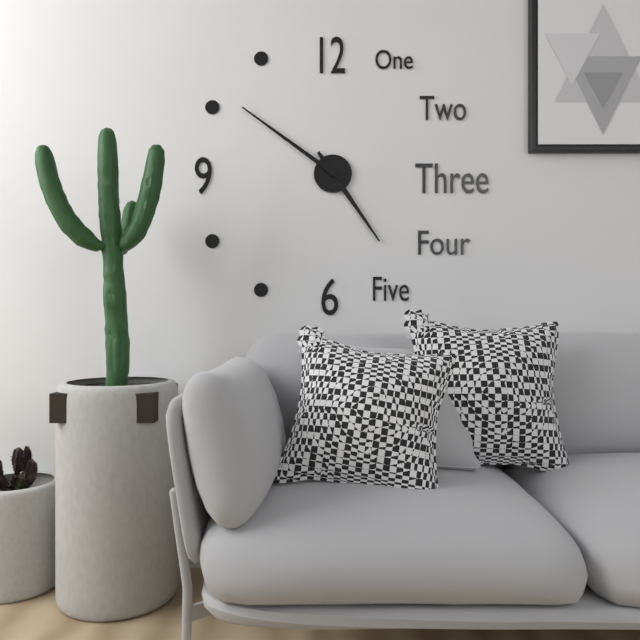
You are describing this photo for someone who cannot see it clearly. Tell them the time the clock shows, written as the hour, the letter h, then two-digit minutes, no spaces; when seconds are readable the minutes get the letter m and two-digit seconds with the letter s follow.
4h51
